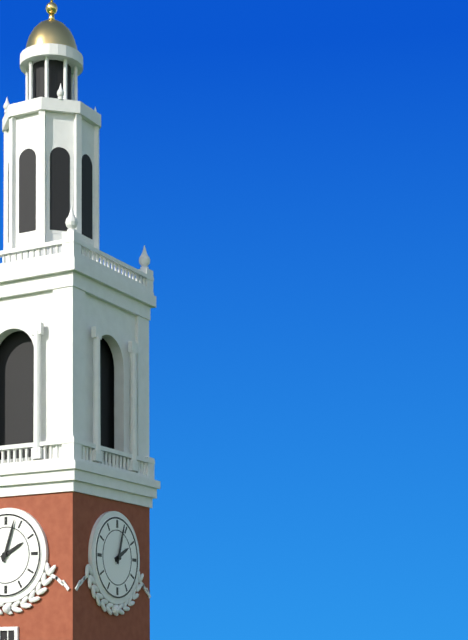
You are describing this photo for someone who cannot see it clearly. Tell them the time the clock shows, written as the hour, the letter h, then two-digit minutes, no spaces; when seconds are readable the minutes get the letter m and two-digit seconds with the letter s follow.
2h03
